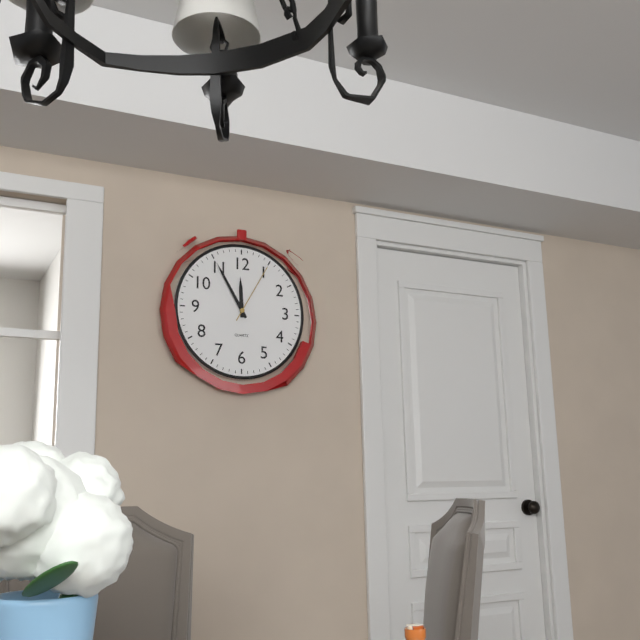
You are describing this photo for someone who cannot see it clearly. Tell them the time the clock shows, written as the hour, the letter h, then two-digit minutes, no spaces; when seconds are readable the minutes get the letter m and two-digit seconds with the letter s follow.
11h55m05s
